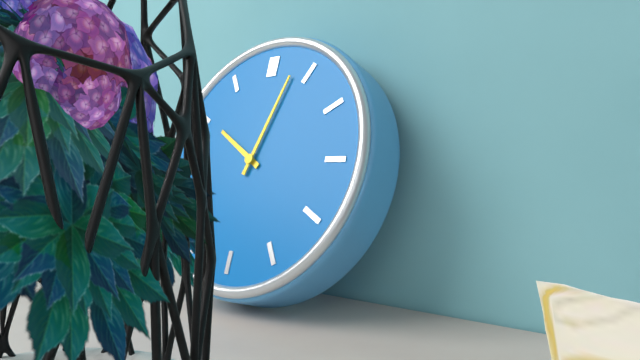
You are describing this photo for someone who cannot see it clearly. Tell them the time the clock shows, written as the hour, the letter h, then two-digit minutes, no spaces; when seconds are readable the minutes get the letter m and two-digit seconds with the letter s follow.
10h03
